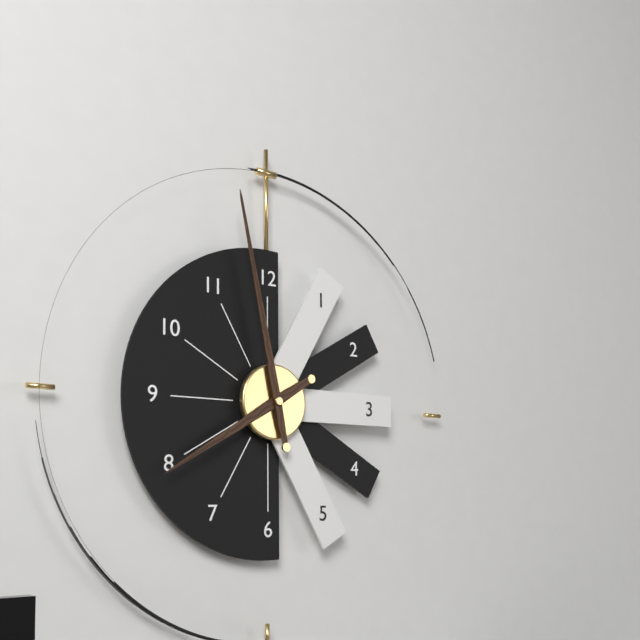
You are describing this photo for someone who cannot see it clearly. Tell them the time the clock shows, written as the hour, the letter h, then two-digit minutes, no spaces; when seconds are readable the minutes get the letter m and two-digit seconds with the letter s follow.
7h58
